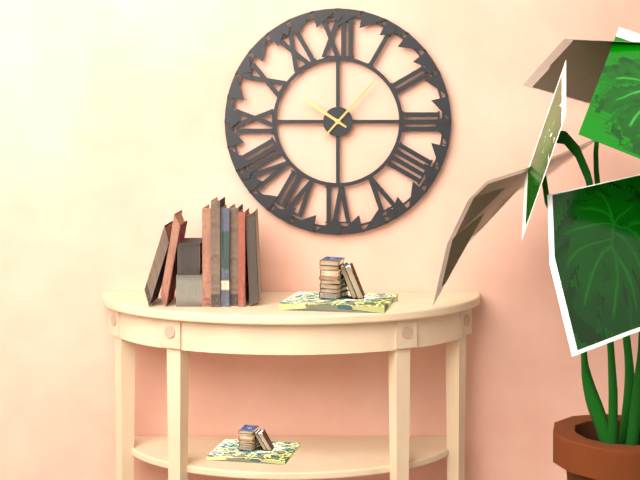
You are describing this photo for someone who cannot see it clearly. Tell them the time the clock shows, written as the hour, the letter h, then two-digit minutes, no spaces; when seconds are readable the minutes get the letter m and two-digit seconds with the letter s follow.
10h07
